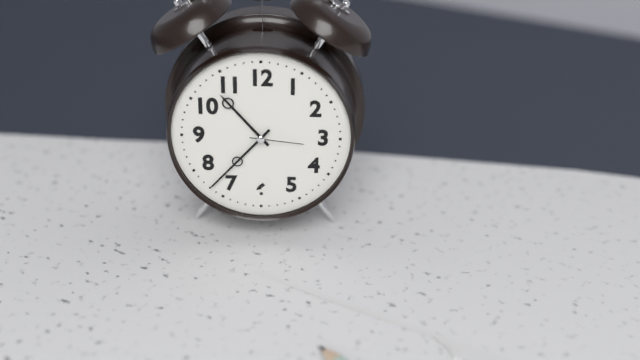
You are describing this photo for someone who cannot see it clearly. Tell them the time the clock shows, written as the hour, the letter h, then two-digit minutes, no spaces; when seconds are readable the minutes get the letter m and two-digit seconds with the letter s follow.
10h37m16s
